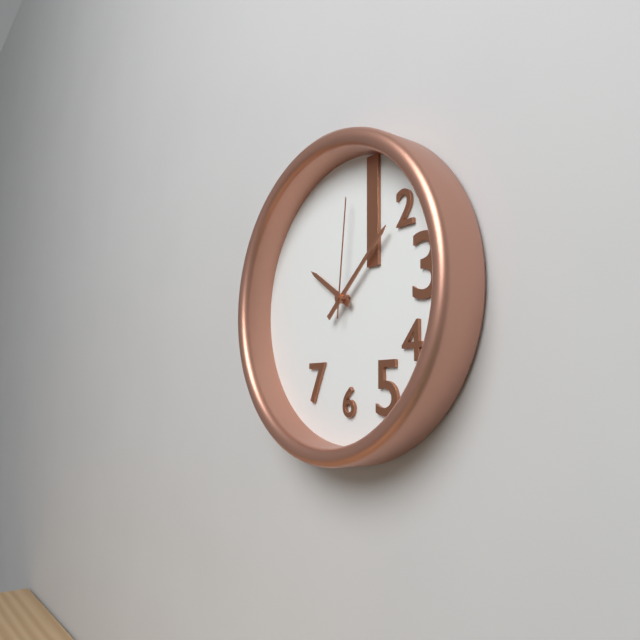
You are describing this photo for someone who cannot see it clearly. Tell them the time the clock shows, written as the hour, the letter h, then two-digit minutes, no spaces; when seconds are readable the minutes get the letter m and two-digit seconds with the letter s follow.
10h08m01s
